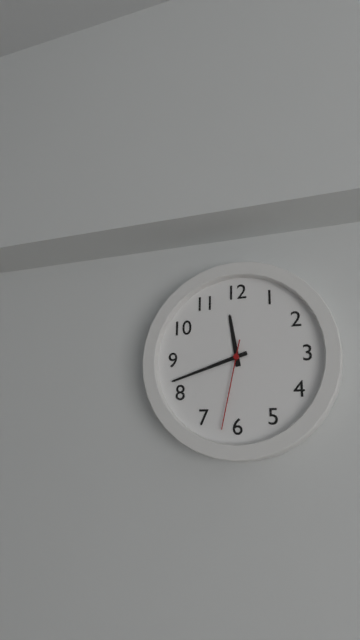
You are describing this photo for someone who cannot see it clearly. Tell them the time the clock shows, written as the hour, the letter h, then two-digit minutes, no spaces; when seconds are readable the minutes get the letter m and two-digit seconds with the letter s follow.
11h42m32s
